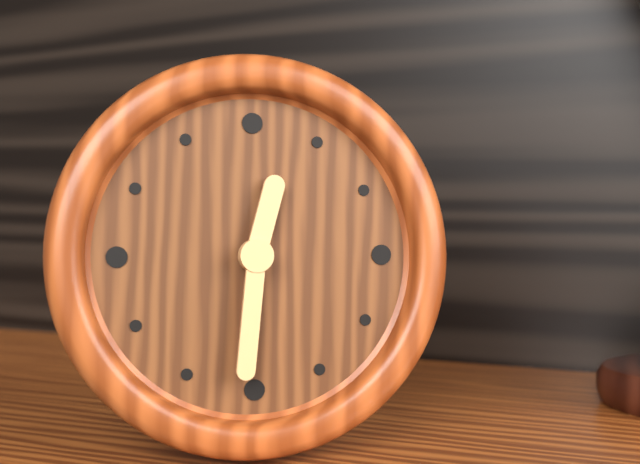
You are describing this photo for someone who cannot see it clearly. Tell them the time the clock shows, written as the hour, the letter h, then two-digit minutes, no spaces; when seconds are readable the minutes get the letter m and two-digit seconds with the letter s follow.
12h31
